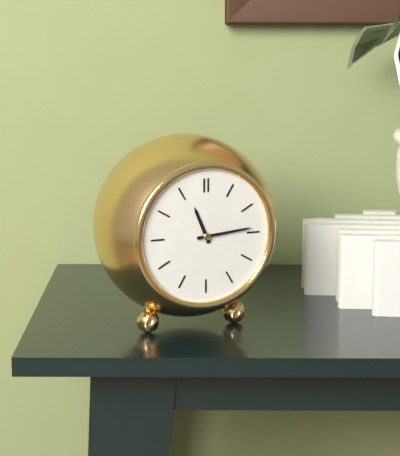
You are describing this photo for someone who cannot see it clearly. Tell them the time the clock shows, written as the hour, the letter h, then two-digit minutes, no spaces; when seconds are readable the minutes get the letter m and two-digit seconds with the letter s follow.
11h14
